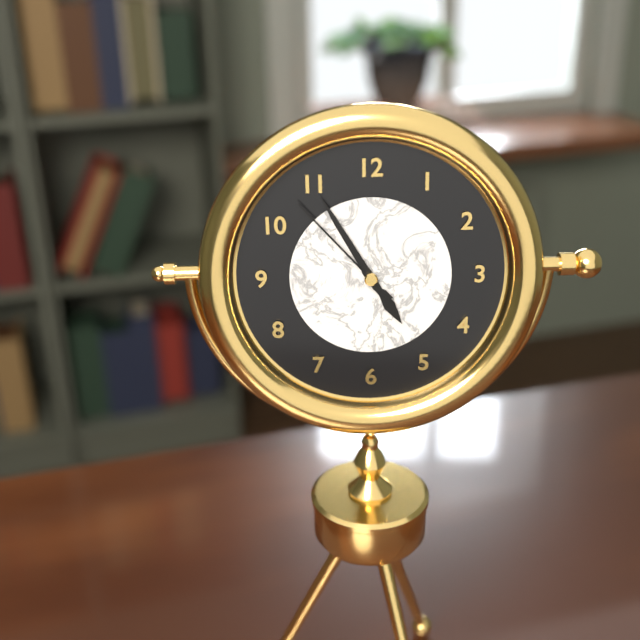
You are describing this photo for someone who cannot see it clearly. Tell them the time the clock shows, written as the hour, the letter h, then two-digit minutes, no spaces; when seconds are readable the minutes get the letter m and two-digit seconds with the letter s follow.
4h55m53s
